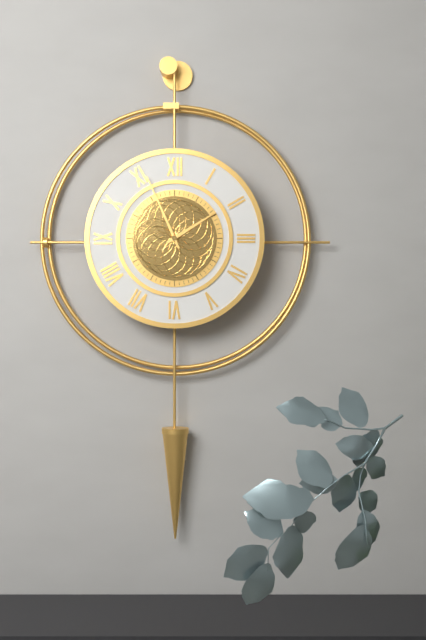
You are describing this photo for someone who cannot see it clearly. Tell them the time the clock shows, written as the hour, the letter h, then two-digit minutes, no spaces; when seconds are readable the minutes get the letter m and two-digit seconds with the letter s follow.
1h56
